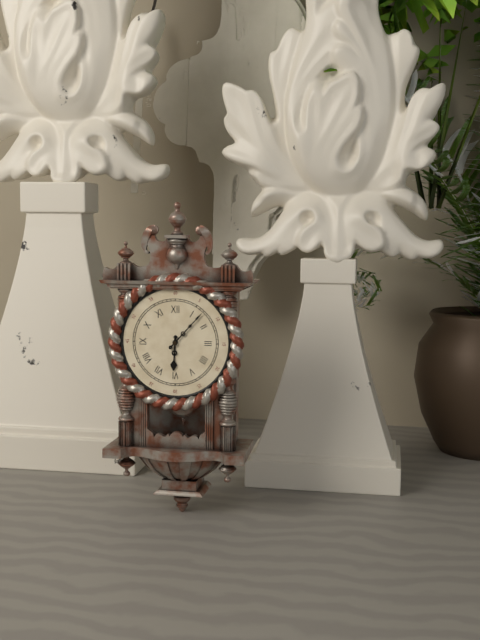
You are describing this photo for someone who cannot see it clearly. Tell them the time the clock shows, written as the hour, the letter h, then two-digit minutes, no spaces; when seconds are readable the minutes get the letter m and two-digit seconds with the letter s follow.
6h07
